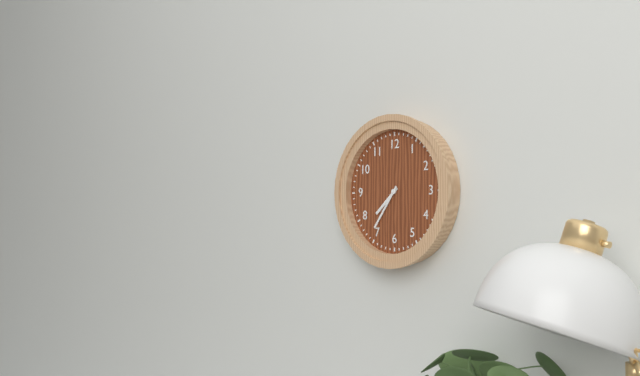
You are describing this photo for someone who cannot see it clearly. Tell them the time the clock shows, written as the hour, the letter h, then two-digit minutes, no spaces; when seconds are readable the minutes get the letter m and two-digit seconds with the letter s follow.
7h36
